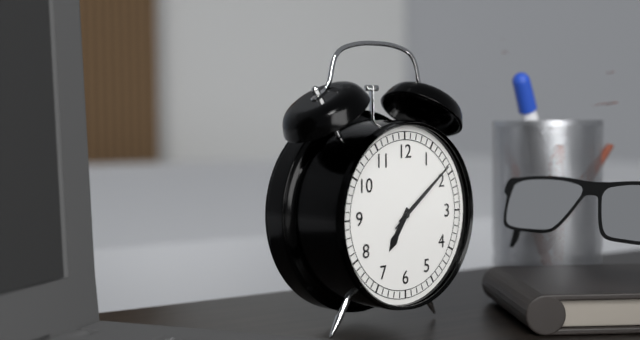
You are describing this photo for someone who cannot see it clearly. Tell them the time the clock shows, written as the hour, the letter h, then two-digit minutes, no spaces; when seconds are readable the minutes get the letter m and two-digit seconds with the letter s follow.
7h09m09s
